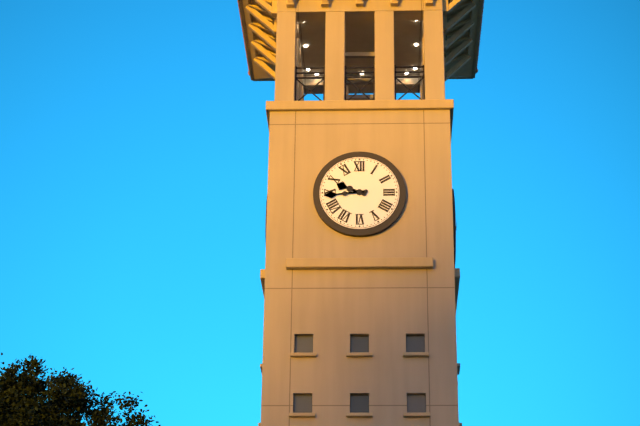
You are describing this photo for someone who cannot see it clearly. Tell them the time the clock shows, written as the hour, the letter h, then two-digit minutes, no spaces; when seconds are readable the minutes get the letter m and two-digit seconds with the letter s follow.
9h44
